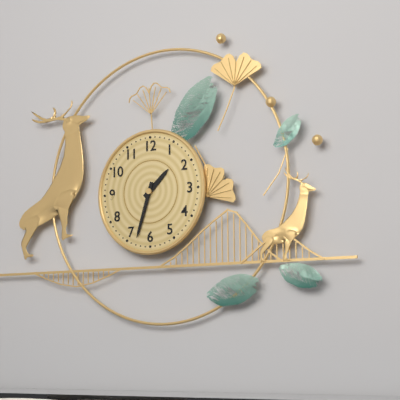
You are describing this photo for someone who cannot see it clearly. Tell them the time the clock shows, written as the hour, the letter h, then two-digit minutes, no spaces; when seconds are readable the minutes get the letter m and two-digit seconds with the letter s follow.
1h33
